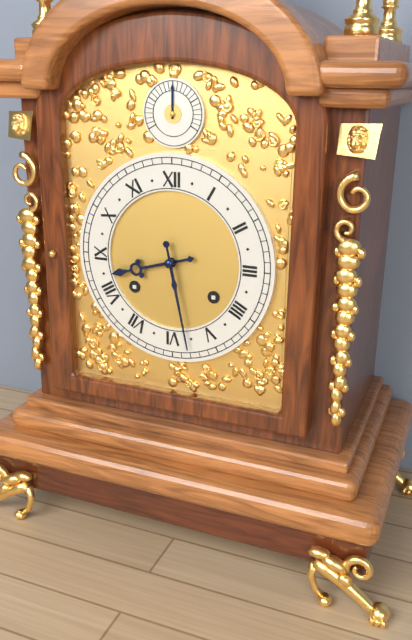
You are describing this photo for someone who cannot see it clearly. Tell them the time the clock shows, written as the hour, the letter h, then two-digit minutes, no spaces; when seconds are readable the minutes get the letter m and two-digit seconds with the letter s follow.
8h28
